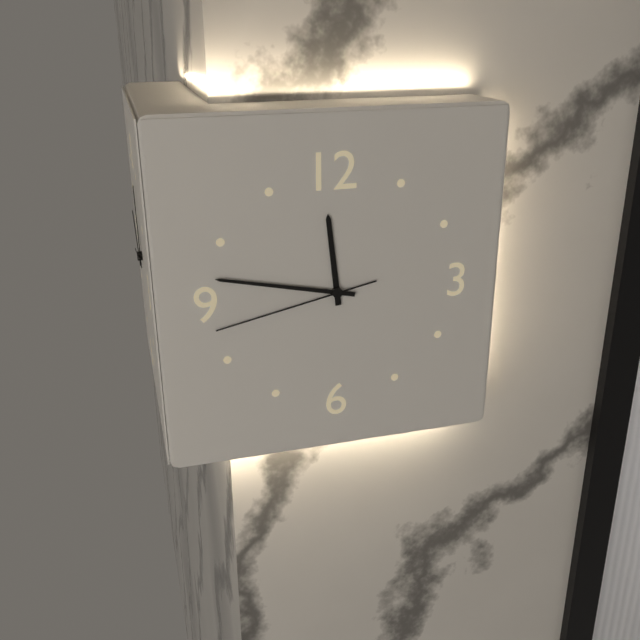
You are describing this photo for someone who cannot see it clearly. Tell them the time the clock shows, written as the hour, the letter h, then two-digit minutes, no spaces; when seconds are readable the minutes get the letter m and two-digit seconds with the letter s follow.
11h47m43s
